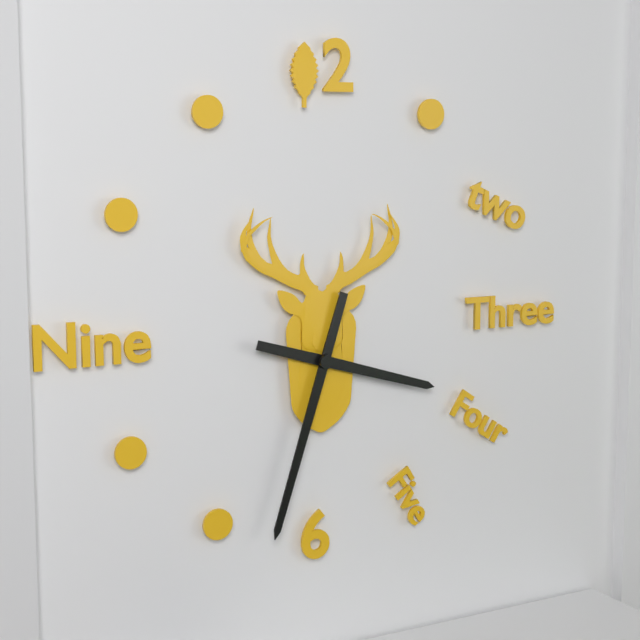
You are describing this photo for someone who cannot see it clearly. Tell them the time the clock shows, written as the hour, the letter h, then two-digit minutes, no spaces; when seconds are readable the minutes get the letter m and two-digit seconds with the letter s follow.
3h33
